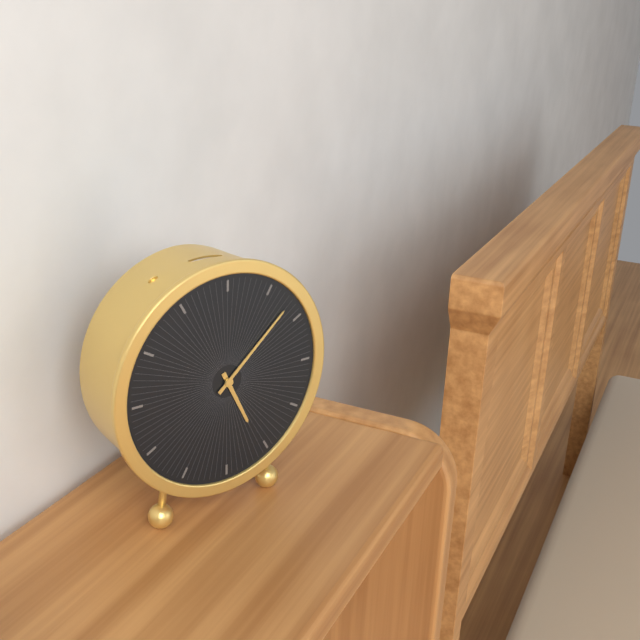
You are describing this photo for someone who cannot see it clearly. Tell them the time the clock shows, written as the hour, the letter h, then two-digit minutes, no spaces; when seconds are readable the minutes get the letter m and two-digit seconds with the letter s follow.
5h08
